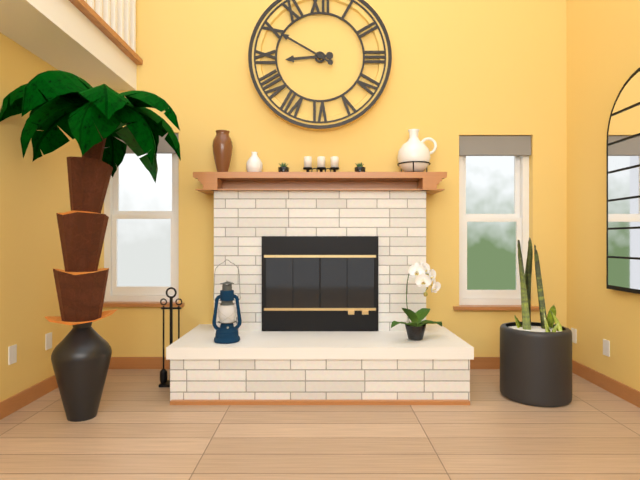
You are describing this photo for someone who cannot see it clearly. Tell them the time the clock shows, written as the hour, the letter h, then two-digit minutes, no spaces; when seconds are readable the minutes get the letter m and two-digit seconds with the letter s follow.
8h50
